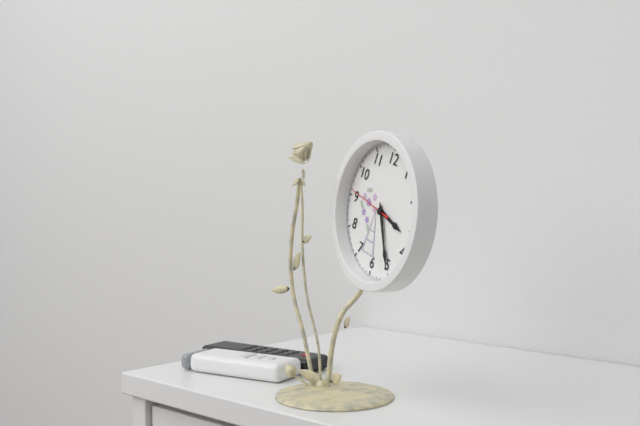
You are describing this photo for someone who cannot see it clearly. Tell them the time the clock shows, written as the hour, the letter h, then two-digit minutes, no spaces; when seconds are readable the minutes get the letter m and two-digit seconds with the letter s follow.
3h25
